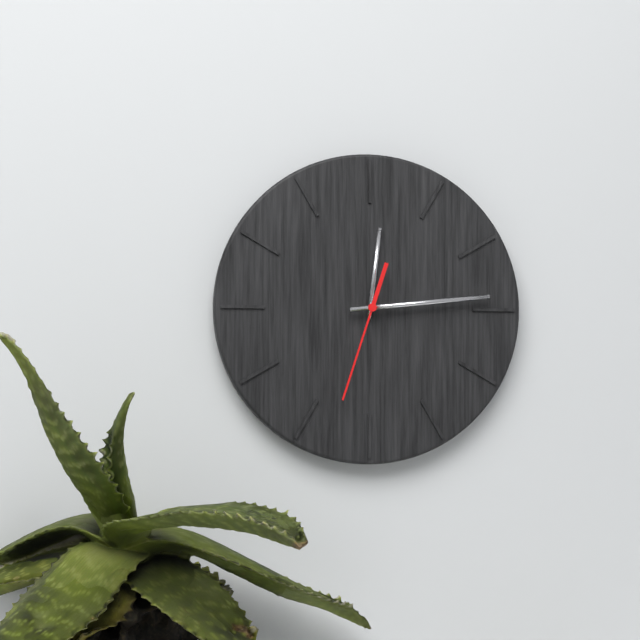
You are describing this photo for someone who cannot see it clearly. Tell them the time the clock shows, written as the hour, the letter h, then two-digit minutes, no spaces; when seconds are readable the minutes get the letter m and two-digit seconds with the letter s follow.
12h14m33s
